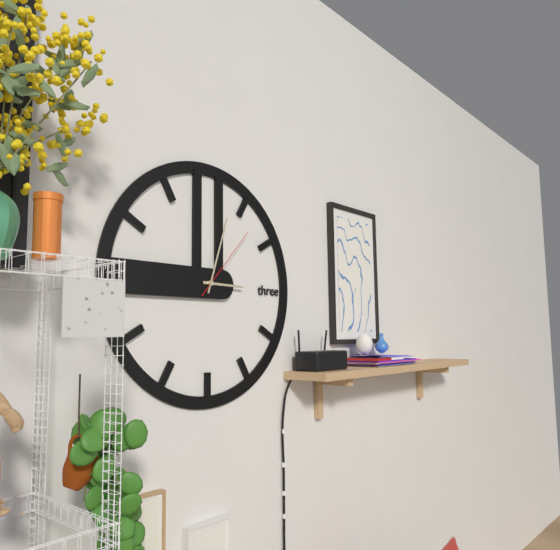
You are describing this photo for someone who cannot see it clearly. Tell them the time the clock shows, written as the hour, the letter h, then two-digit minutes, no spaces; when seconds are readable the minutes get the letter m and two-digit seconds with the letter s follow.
3h03m07s
